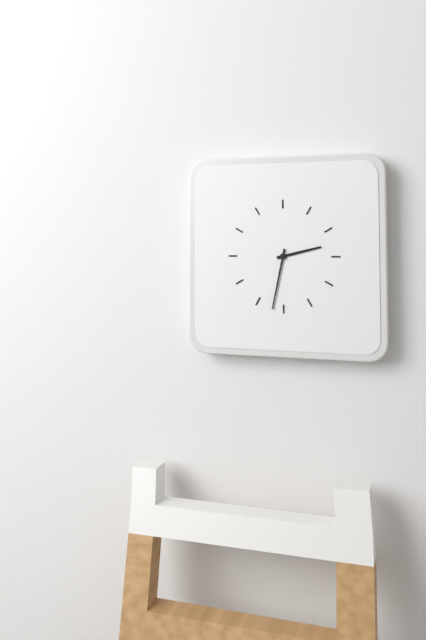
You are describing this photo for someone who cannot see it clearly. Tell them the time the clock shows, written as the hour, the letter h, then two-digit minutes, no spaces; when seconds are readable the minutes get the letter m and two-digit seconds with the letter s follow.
2h32
